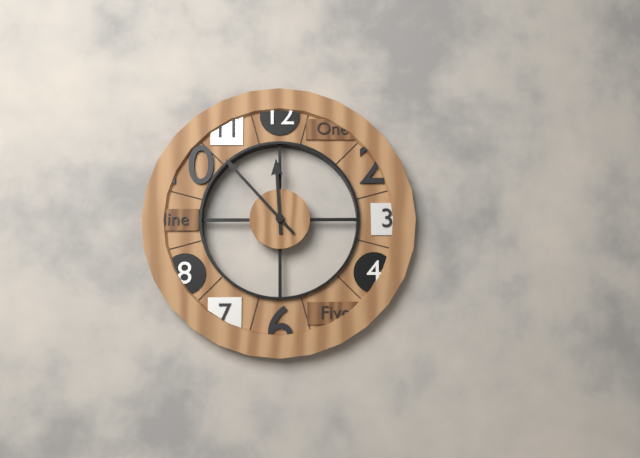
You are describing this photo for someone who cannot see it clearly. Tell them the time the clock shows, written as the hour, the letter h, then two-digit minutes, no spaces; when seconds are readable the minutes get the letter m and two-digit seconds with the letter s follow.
11h53
